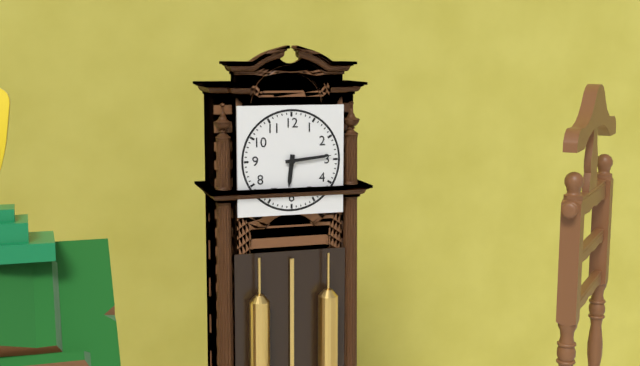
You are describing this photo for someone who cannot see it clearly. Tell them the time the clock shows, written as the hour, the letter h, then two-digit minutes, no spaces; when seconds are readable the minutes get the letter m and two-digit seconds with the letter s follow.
6h14
